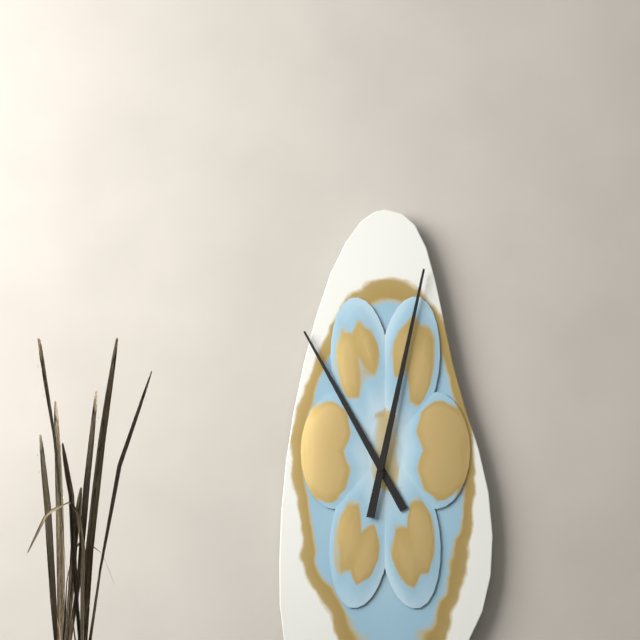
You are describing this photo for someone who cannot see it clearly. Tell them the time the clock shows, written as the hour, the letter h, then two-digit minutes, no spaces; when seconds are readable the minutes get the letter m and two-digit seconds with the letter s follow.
11h02
